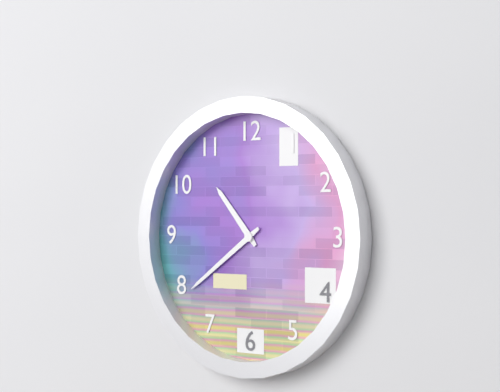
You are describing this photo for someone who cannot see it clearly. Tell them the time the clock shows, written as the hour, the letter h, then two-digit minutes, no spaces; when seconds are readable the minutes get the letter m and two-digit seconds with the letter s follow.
10h39
